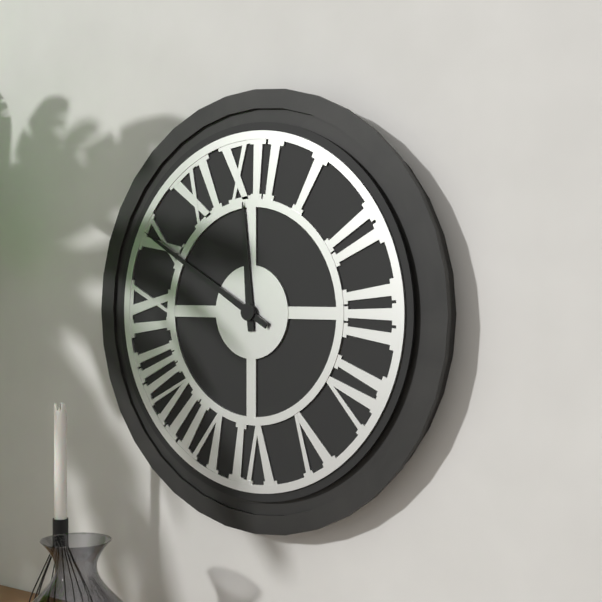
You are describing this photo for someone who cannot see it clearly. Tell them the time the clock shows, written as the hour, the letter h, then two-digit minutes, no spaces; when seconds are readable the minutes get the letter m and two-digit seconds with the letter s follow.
11h50
